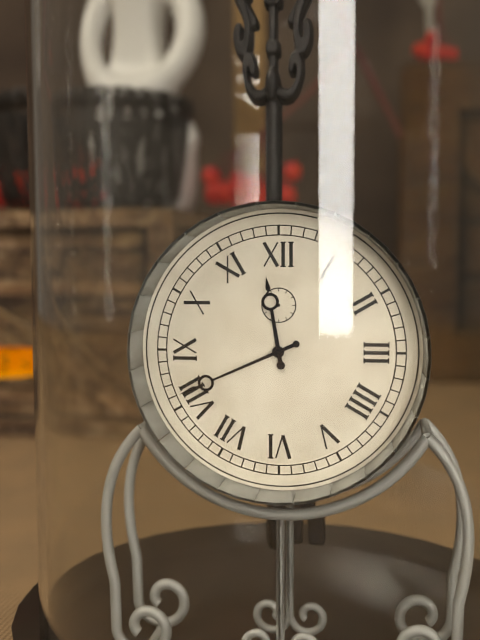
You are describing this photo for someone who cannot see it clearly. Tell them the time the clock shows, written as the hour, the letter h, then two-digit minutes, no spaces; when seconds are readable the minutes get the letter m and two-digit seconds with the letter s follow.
11h41
